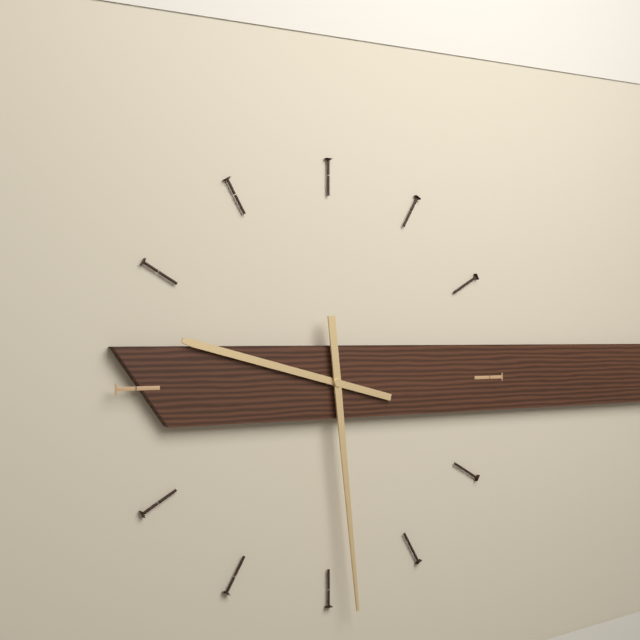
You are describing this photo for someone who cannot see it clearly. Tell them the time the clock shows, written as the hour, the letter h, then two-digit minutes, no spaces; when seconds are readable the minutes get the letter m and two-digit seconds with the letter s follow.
9h29
